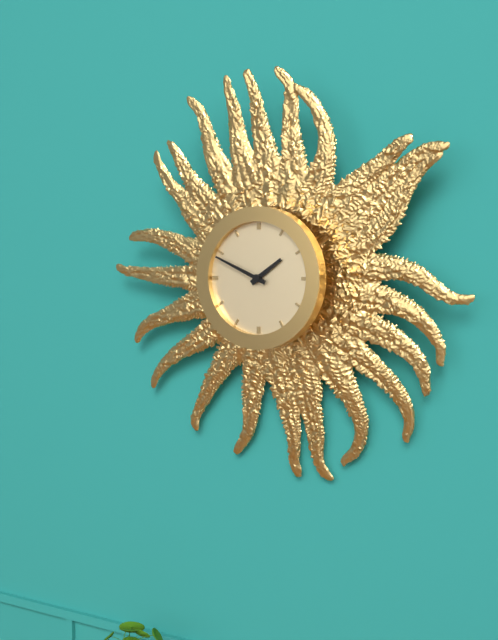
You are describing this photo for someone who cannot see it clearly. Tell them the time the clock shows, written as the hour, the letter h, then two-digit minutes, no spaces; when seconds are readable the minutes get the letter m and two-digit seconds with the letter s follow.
1h49
